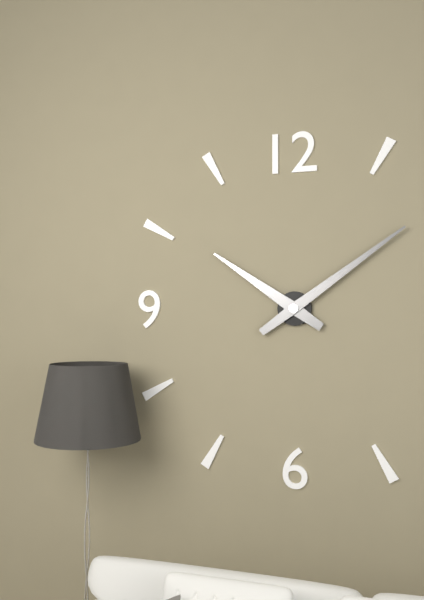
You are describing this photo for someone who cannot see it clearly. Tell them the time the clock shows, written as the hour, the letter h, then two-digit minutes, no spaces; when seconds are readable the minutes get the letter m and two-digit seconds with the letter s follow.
10h09
